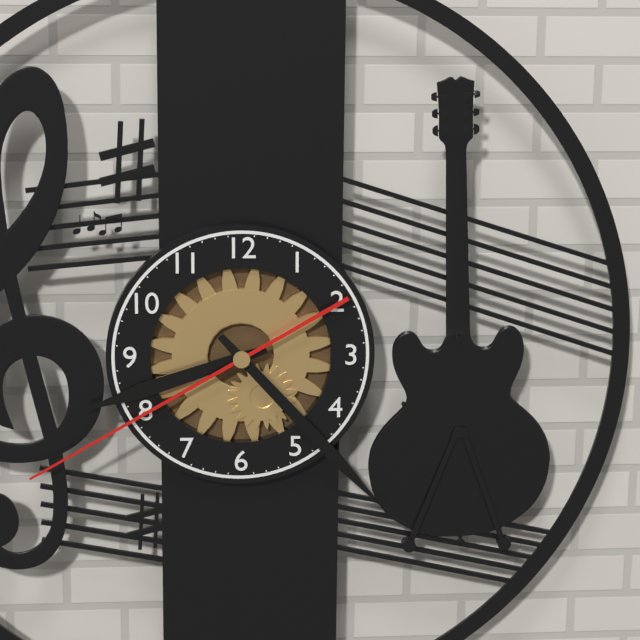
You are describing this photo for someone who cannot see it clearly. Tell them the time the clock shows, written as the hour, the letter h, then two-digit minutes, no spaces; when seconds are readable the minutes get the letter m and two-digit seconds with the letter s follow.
8h23m40s
